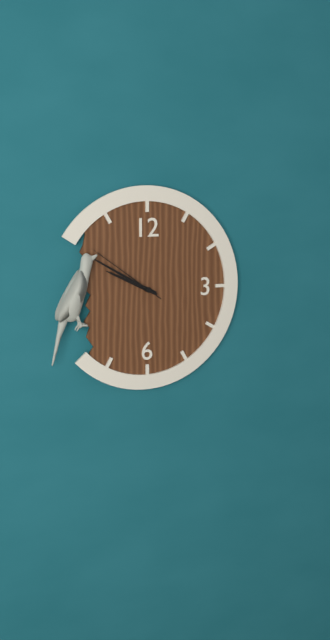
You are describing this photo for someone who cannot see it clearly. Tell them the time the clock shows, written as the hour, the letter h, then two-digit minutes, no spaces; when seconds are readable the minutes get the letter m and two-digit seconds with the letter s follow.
9h50m51s
